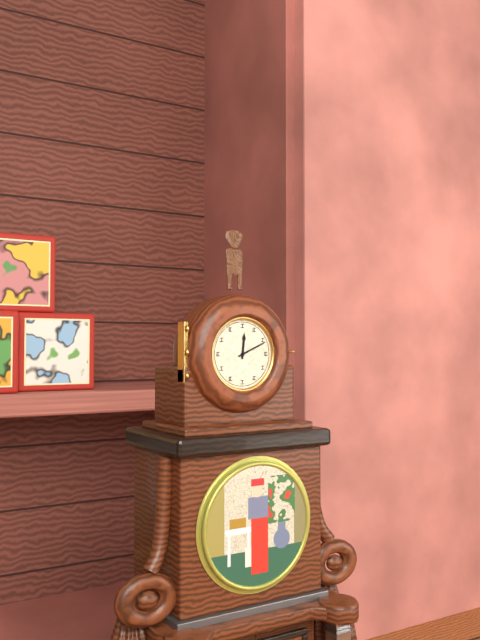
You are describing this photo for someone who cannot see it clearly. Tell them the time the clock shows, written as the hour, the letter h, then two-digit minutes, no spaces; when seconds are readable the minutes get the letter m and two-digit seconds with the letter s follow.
12h11
